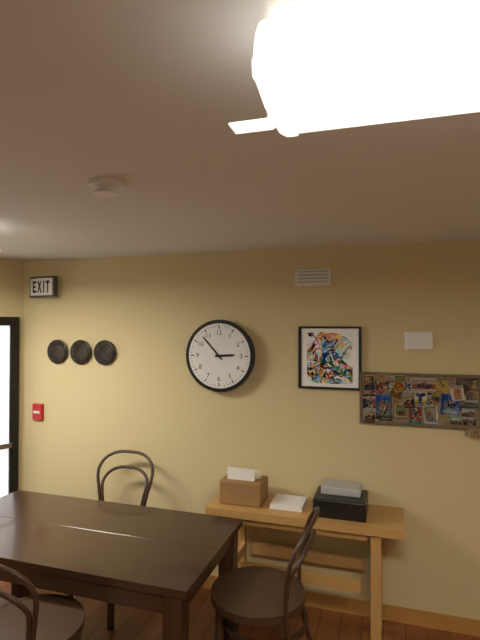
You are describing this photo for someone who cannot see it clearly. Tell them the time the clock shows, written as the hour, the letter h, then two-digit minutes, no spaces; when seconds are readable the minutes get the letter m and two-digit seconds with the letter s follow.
2h53
